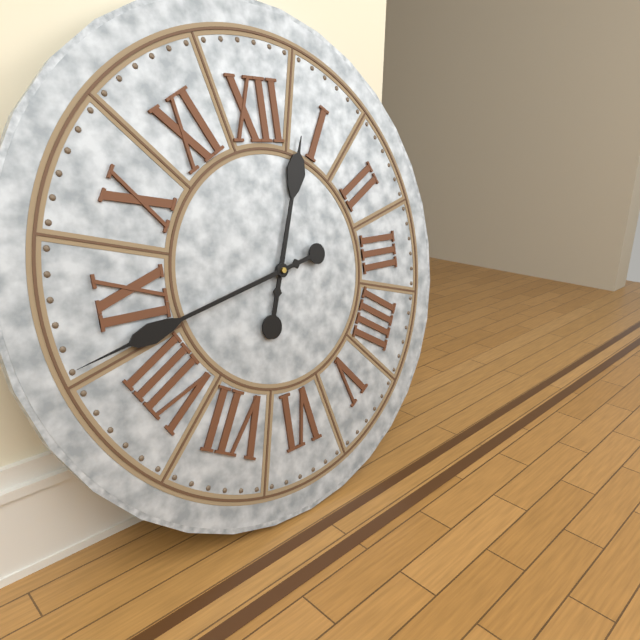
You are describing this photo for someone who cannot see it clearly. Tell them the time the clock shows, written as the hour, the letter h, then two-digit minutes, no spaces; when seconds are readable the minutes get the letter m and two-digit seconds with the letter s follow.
12h43
